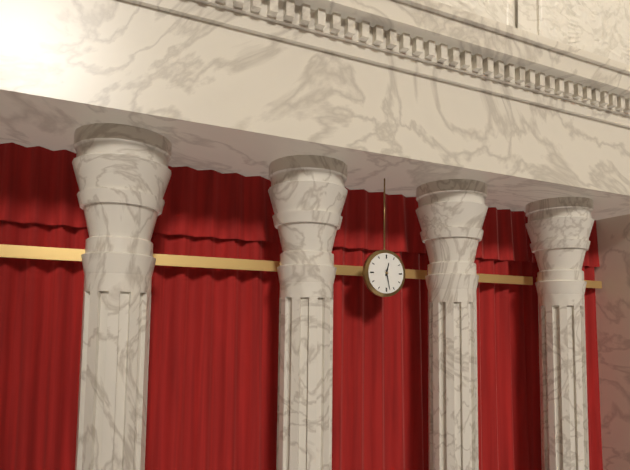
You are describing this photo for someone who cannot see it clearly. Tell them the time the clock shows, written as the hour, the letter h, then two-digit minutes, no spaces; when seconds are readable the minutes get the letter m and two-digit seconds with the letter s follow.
12h28
